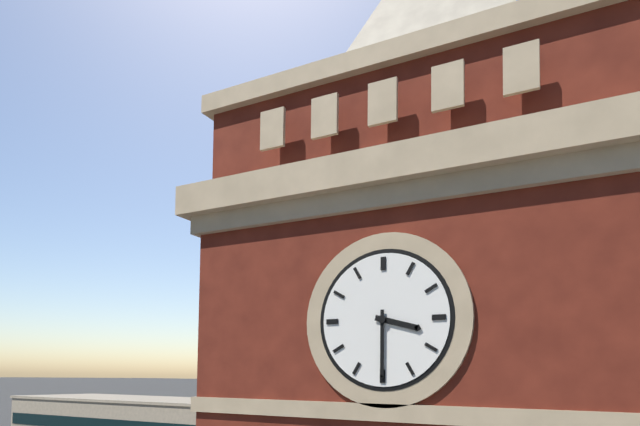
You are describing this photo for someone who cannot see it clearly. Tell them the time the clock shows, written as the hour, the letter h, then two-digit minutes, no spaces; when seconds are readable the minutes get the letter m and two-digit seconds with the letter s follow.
3h30
